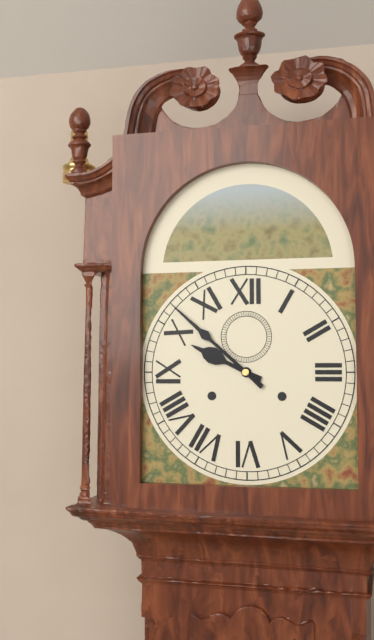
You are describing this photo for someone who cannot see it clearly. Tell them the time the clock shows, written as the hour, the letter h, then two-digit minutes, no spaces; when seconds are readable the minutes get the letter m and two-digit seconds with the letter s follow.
9h52
